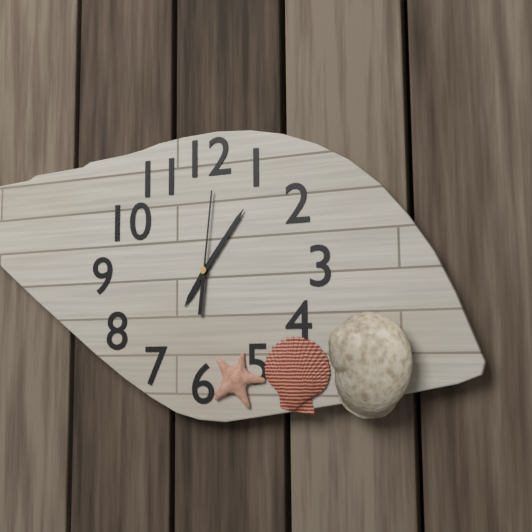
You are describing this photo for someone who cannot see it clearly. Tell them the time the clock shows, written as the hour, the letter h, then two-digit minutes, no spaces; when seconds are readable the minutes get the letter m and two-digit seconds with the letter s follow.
7h06m01s
